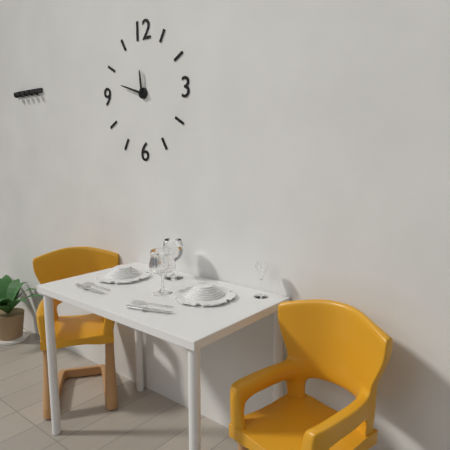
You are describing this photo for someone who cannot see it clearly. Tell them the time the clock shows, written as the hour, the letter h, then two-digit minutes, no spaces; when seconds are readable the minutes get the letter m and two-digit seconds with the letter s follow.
11h48
